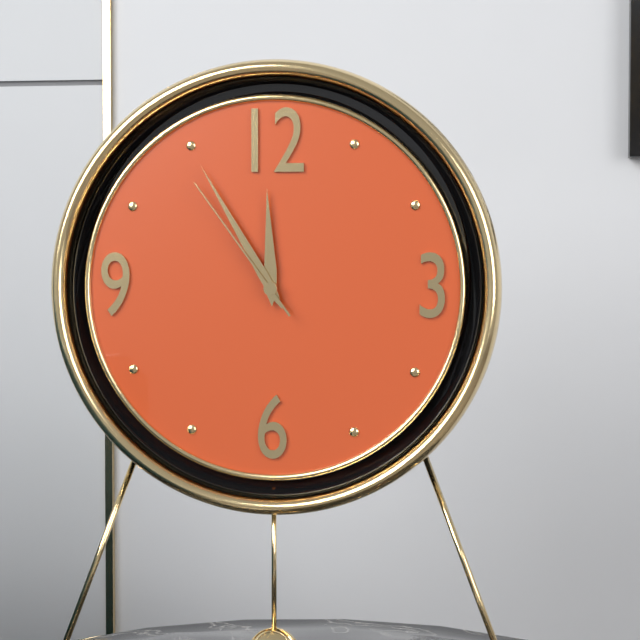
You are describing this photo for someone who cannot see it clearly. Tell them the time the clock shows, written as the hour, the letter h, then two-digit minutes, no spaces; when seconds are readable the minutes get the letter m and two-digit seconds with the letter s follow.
11h55m54s
